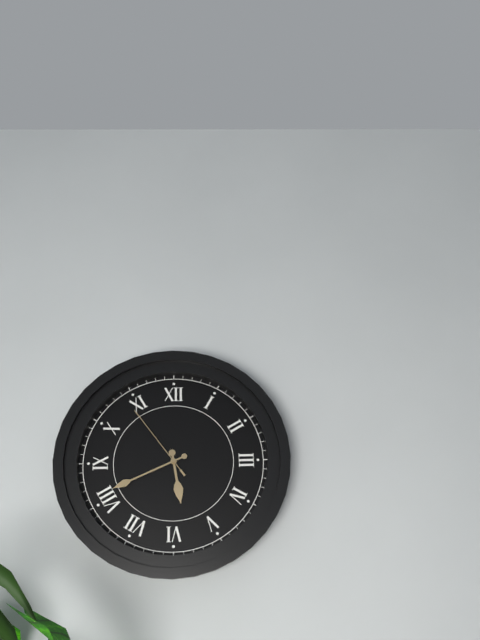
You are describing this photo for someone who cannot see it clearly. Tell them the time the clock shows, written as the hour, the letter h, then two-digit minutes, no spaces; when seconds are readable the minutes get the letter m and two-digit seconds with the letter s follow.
5h41m54s
